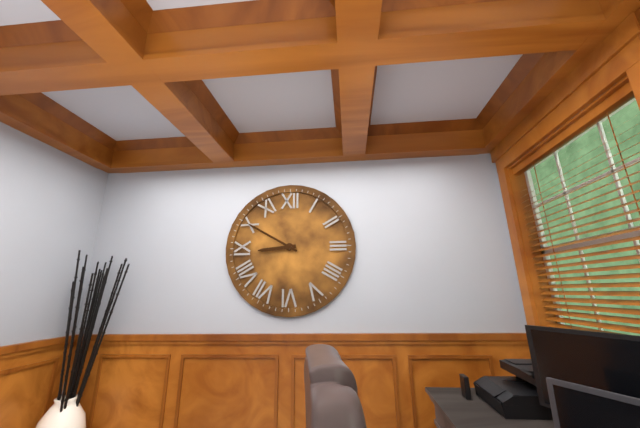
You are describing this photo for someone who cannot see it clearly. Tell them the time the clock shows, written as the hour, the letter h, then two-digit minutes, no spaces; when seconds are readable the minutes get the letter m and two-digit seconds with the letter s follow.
8h50
